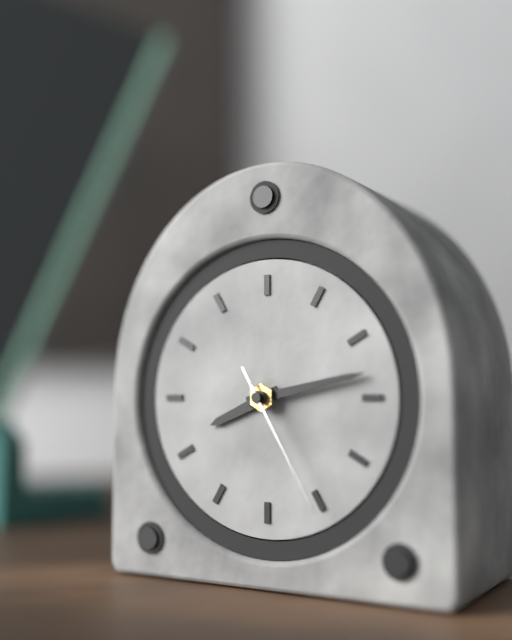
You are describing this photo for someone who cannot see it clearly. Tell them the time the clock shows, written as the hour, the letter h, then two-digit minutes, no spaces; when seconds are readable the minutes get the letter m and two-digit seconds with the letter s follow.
8h13m25s
